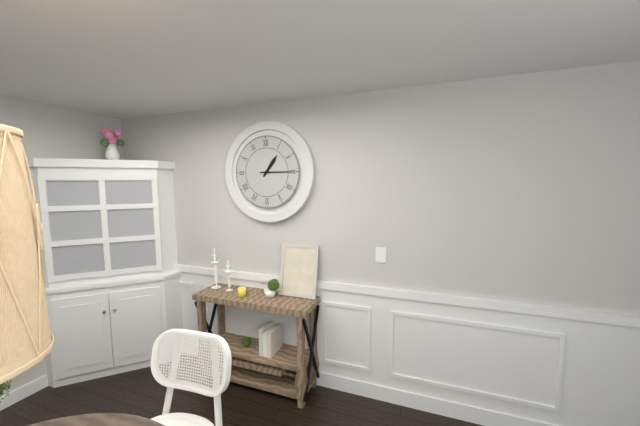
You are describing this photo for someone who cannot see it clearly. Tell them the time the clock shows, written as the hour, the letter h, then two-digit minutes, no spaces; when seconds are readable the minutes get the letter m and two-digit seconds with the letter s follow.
1h15
